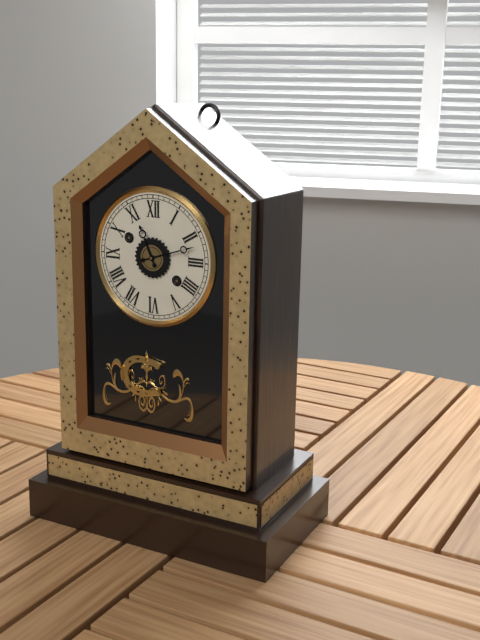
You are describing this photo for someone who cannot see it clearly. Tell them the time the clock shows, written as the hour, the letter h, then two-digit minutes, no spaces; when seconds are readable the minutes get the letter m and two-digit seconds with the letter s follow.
11h12
